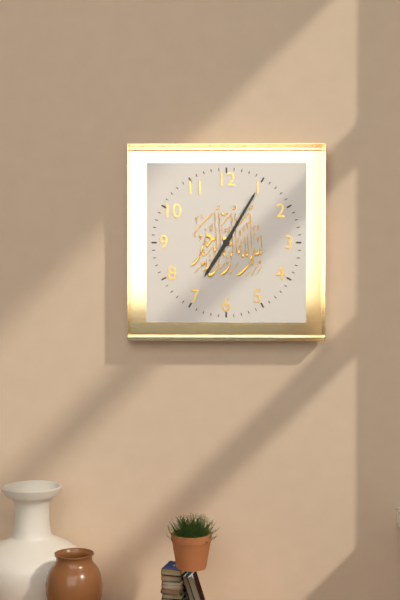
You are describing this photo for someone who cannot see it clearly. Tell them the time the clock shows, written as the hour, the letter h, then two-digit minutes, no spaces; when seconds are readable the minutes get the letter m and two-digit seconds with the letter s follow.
7h05
